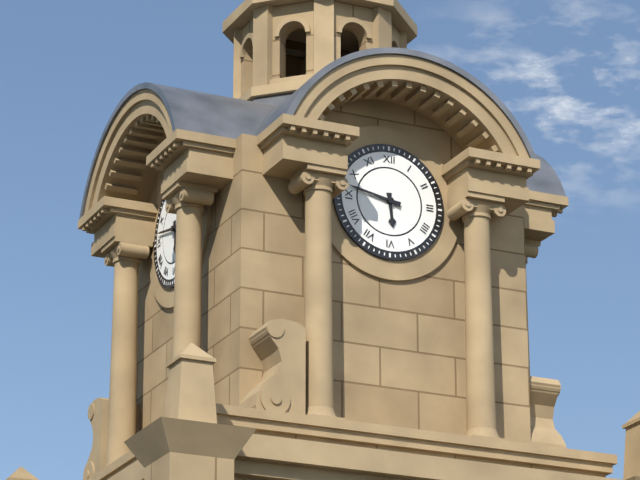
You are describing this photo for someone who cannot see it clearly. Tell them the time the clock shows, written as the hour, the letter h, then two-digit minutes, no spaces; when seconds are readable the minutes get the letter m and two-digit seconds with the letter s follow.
5h47
